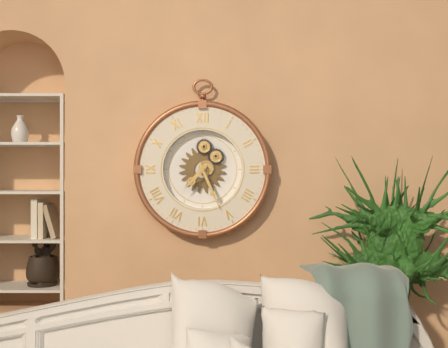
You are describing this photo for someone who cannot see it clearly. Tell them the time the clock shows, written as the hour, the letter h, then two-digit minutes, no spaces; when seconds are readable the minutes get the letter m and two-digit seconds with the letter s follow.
7h26
